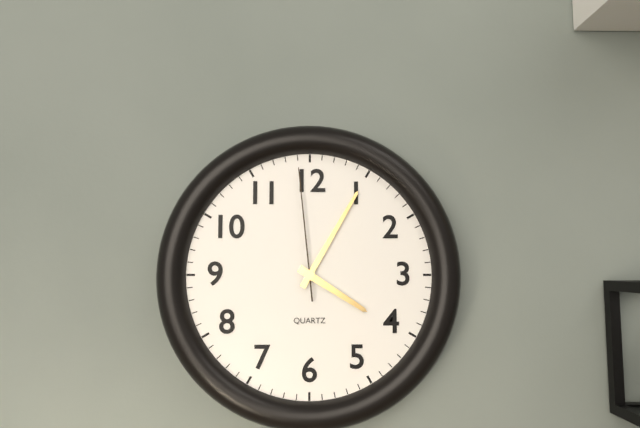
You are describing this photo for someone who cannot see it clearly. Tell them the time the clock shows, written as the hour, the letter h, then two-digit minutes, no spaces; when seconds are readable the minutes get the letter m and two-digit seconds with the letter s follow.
4h05m59s
